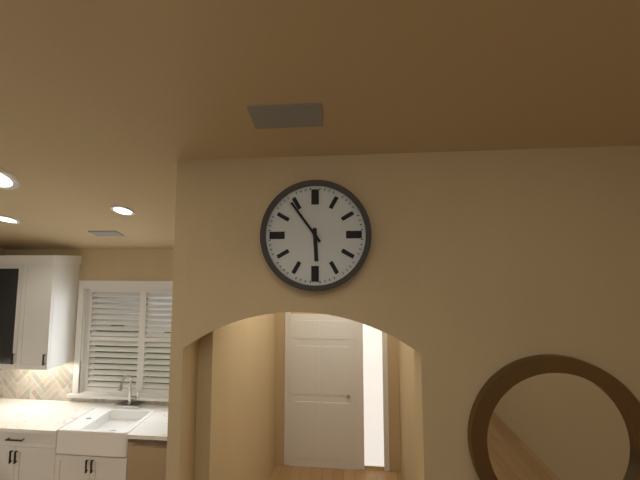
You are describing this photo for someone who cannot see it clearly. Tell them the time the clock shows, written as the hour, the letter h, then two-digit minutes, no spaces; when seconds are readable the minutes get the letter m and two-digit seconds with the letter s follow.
5h54
